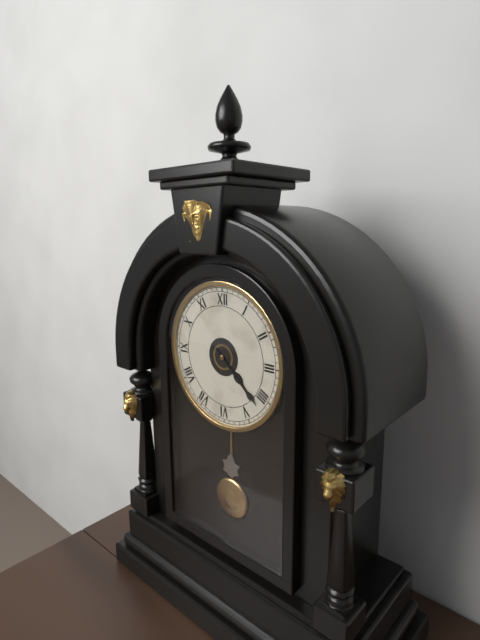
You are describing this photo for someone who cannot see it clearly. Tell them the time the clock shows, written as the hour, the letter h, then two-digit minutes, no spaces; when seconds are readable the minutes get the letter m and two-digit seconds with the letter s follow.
4h22
